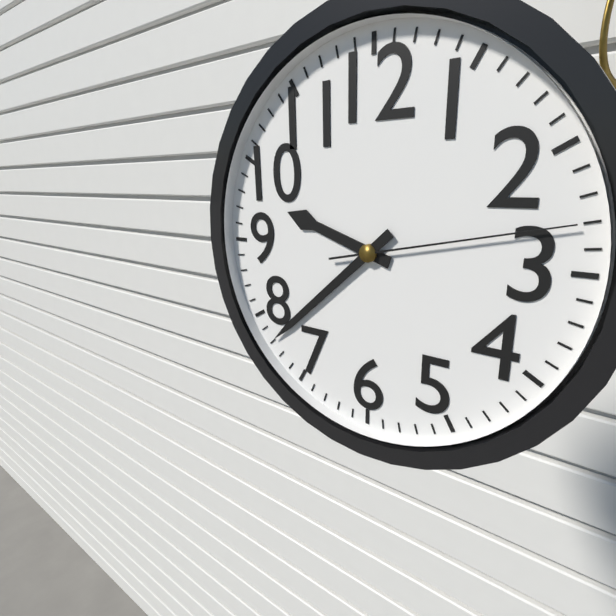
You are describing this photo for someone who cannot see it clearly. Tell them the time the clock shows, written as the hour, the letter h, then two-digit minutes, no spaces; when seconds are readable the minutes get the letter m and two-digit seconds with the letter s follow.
9h38m13s
